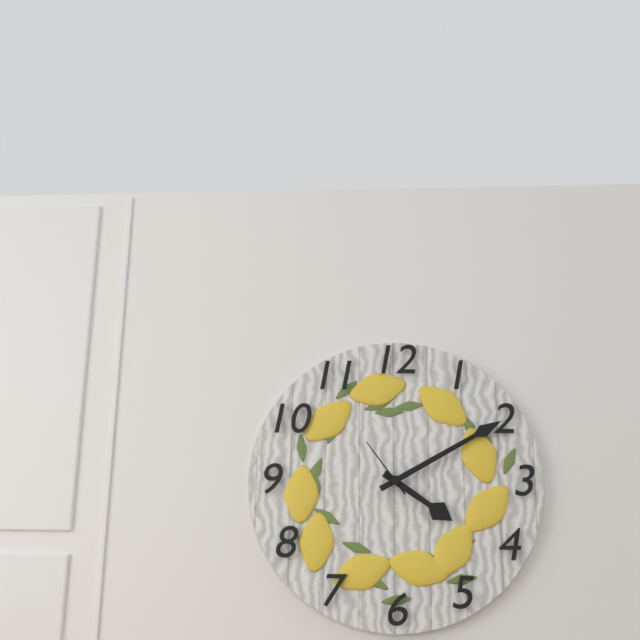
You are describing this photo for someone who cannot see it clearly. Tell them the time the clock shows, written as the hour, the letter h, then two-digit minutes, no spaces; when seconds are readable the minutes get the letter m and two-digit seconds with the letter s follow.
4h10m54s
